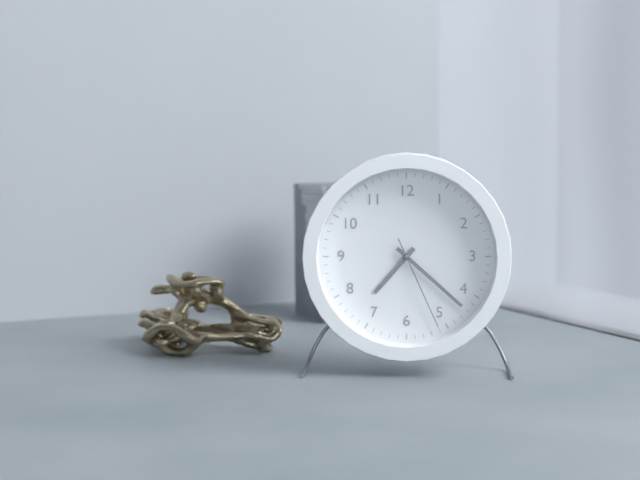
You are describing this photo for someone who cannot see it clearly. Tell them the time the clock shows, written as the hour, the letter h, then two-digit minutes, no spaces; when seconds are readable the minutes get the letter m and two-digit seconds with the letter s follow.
7h22m26s
